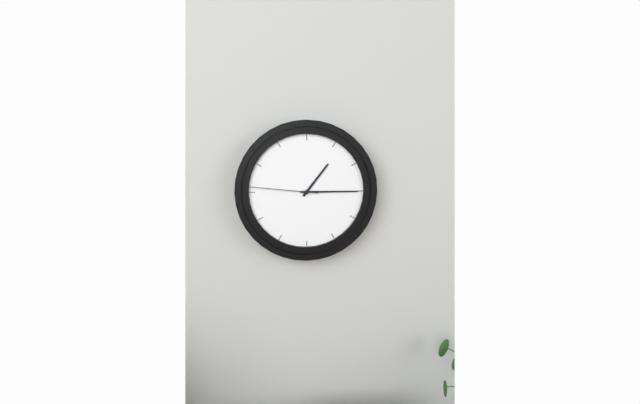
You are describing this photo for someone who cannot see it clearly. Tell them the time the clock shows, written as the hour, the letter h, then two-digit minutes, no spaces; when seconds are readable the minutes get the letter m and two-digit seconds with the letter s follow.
1h15m46s
